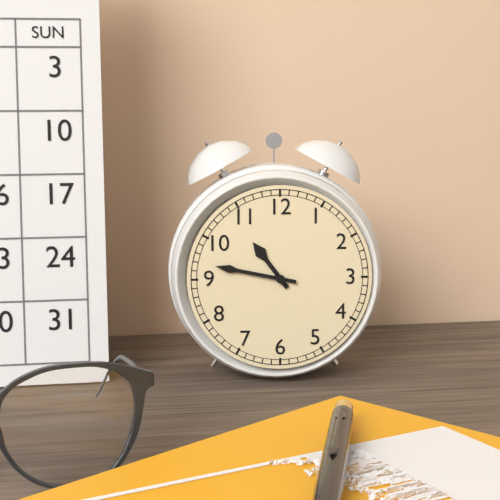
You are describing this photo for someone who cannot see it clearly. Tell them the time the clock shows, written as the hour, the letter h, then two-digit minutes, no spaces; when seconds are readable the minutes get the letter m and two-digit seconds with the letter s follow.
10h47
